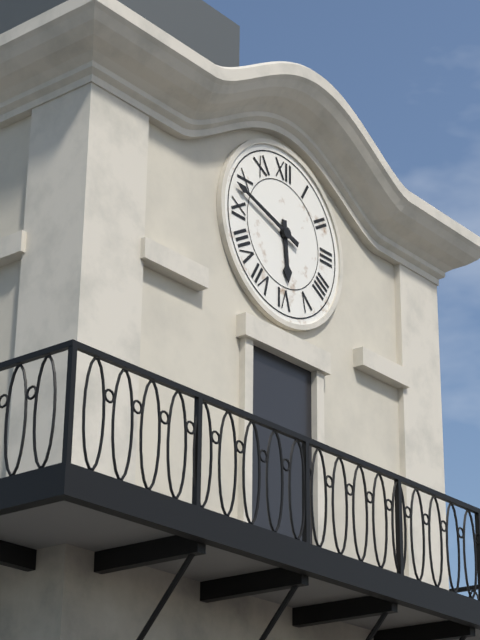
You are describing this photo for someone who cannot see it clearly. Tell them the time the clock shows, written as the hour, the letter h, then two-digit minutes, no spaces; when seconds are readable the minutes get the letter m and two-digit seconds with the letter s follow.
5h48
